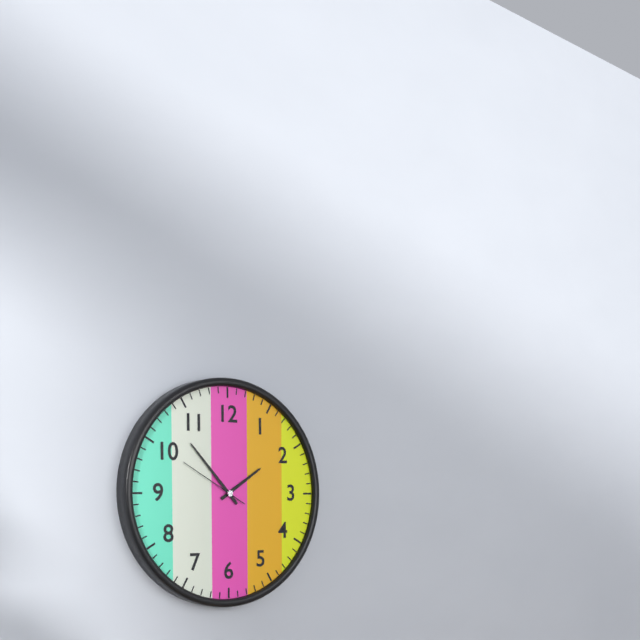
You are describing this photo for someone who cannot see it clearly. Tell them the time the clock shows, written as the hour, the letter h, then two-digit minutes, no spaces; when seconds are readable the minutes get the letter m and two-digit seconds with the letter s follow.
1h53m50s
